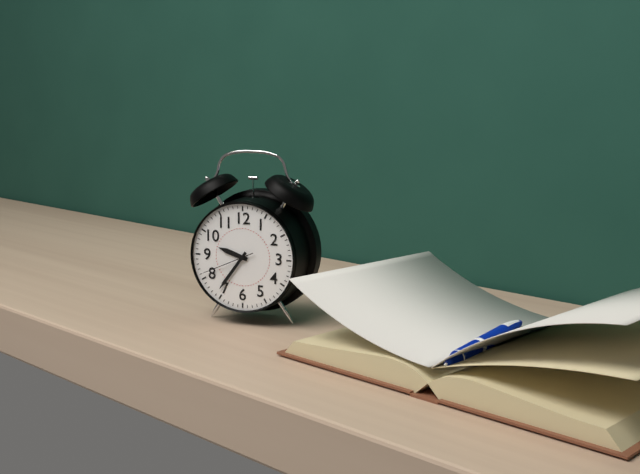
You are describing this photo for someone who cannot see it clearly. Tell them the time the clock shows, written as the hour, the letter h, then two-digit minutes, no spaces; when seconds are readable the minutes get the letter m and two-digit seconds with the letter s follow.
9h36m41s
